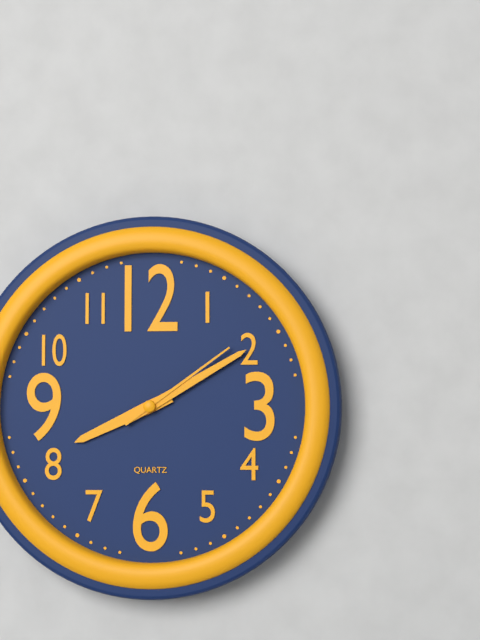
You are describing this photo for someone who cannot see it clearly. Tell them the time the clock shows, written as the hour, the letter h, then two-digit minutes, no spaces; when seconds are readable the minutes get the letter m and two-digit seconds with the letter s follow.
8h10m09s
